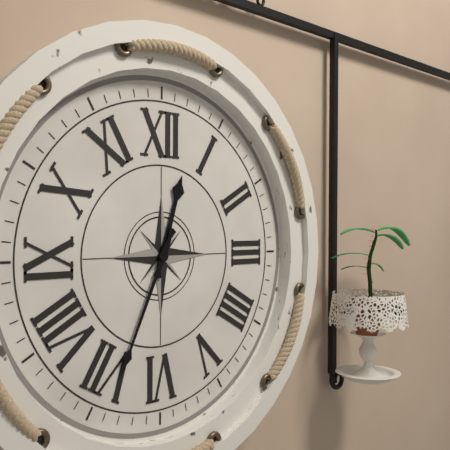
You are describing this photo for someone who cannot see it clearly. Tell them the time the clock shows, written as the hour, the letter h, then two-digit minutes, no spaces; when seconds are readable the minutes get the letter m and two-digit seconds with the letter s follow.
12h34
